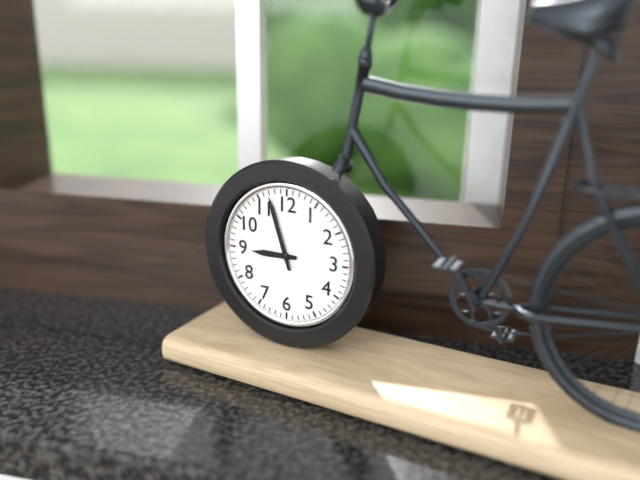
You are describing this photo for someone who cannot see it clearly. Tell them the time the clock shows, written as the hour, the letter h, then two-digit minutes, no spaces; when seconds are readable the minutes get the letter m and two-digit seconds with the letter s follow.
8h57
